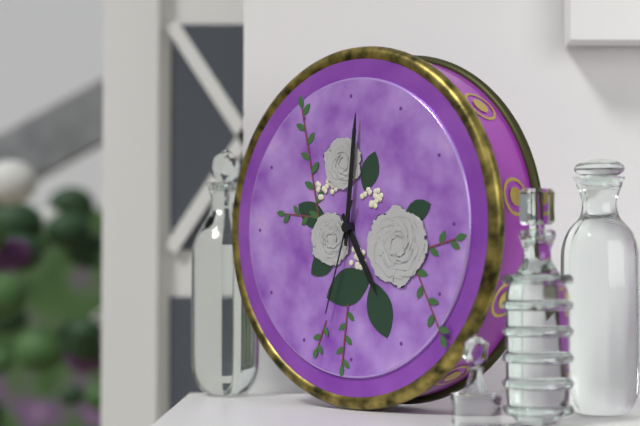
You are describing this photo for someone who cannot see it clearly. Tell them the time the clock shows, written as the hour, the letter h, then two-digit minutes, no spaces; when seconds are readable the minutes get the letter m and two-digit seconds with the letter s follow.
5h01m33s
